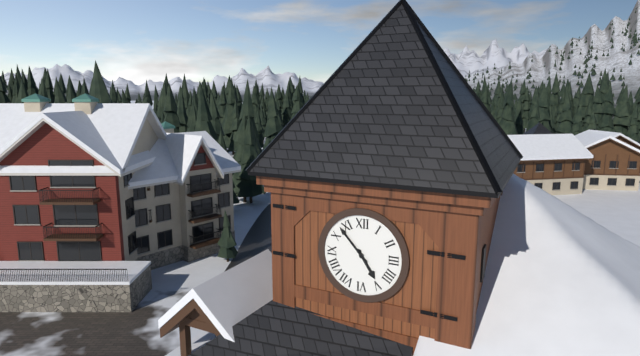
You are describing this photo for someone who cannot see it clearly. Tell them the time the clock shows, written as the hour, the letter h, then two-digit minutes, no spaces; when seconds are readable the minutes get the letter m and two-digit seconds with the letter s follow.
4h53
